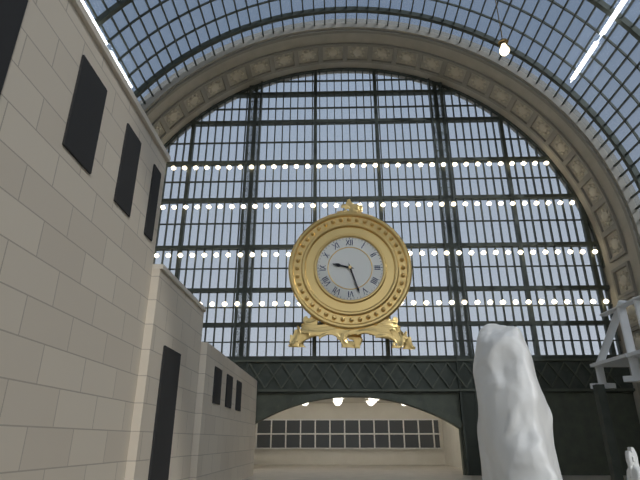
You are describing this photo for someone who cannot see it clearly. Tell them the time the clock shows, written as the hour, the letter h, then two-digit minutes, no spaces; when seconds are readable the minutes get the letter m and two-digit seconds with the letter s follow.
9h27
